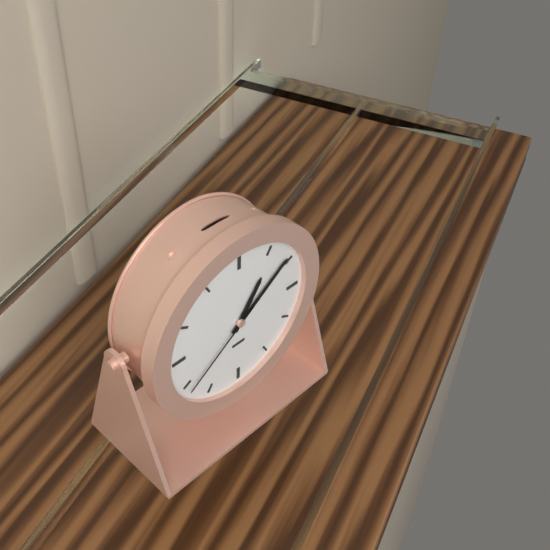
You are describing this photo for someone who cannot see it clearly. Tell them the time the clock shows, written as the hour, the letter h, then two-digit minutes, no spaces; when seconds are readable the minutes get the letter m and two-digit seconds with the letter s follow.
1h09m39s
